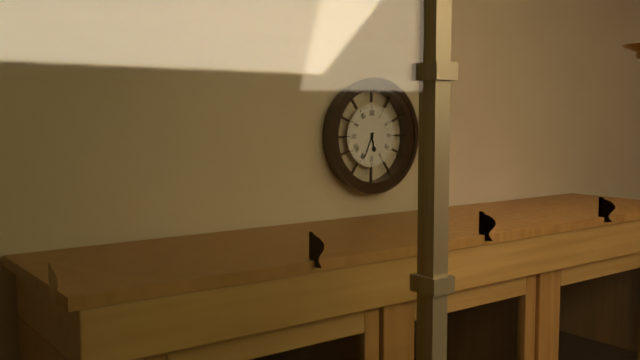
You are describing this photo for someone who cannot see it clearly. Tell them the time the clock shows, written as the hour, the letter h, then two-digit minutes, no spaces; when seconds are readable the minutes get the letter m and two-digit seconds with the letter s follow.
5h34
